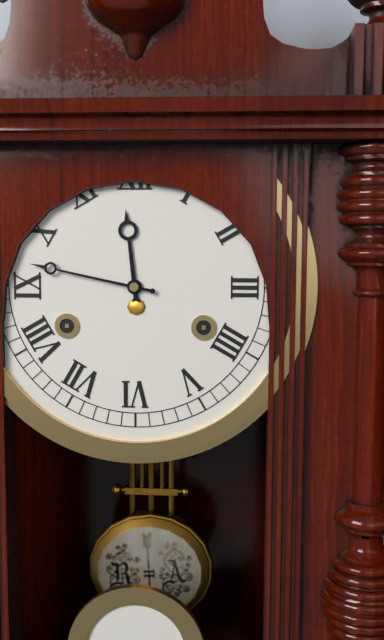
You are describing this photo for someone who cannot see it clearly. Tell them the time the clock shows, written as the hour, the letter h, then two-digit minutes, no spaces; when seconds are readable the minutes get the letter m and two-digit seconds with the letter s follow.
11h47
